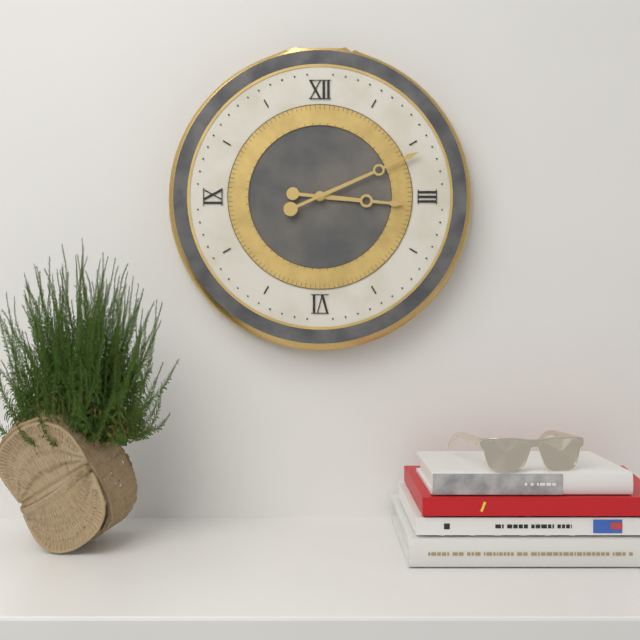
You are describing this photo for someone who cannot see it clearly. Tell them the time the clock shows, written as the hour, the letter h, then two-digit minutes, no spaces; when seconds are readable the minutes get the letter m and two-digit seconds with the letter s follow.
3h11
